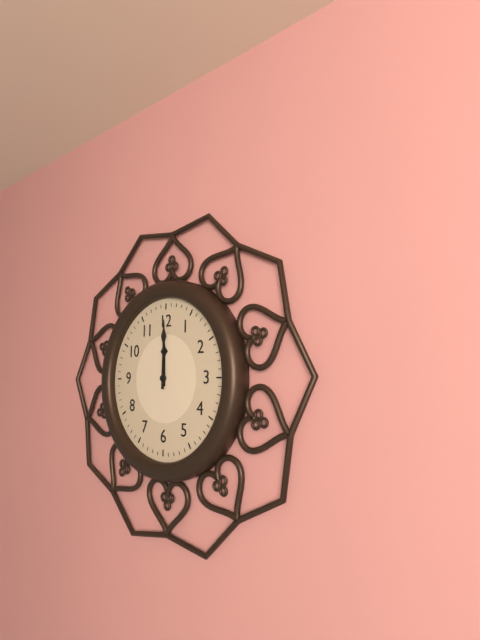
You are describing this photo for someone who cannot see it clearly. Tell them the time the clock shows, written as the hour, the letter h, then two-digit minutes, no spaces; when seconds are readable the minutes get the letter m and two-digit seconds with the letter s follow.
12h00
